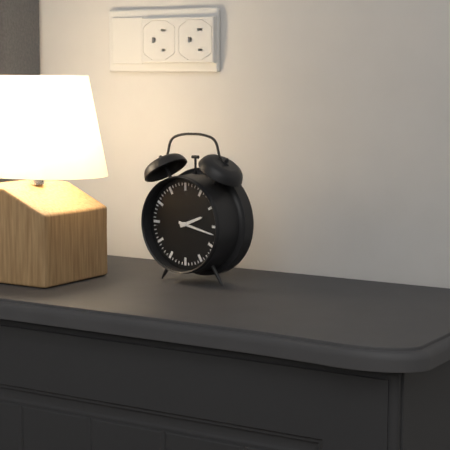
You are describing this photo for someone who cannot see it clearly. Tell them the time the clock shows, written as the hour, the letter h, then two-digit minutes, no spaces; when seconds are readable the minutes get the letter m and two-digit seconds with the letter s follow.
2h17
